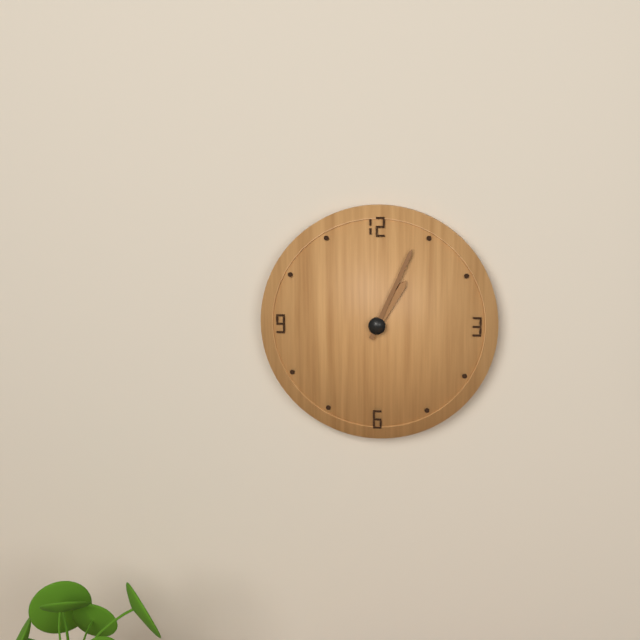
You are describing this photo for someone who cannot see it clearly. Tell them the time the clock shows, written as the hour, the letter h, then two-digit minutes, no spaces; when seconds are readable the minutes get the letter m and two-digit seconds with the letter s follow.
1h04
